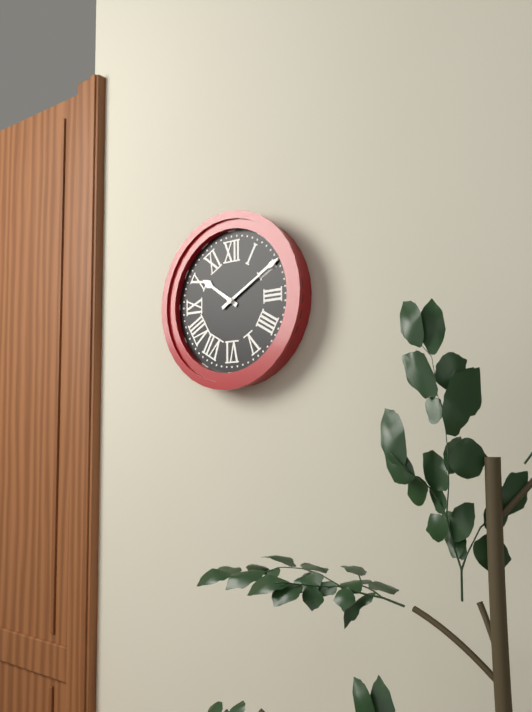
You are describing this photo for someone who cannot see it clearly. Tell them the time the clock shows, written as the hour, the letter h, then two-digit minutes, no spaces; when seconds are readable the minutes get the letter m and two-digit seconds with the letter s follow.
10h10
